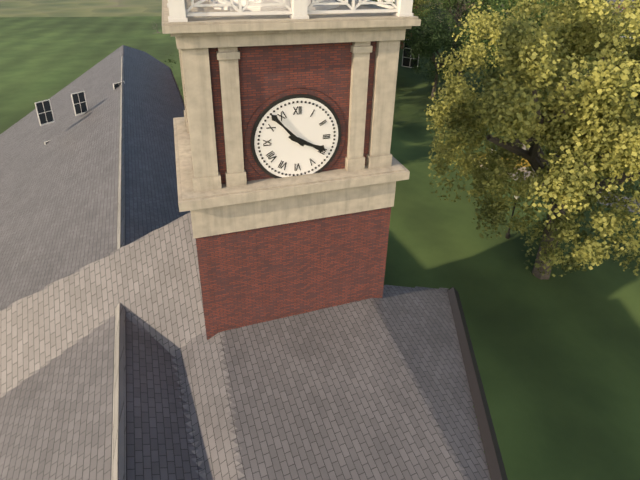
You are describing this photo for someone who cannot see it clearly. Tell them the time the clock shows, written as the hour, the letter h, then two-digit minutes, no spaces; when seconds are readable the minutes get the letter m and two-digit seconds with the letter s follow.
3h53
